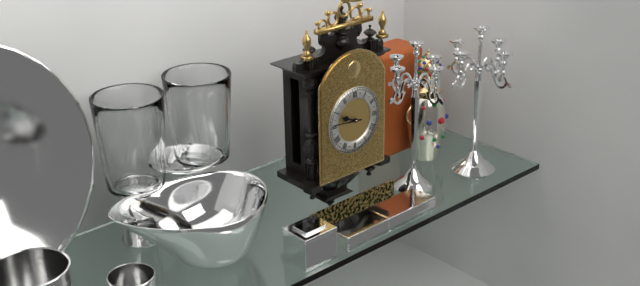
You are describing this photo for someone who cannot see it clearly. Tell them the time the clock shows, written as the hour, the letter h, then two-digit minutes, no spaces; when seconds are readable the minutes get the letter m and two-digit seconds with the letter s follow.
9h46
